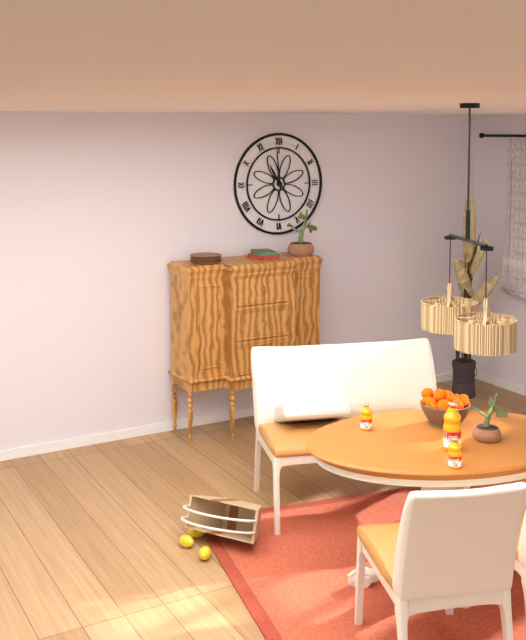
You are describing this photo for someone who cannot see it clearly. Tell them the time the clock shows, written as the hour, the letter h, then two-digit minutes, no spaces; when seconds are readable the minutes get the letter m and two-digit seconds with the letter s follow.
10h59
